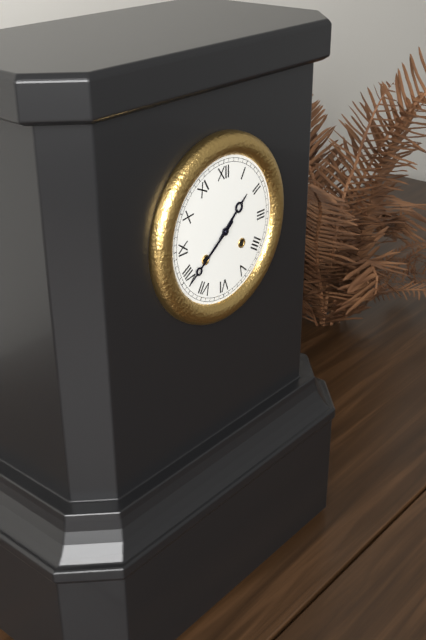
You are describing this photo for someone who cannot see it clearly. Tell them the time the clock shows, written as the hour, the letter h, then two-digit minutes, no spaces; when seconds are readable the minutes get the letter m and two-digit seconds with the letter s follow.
1h39
